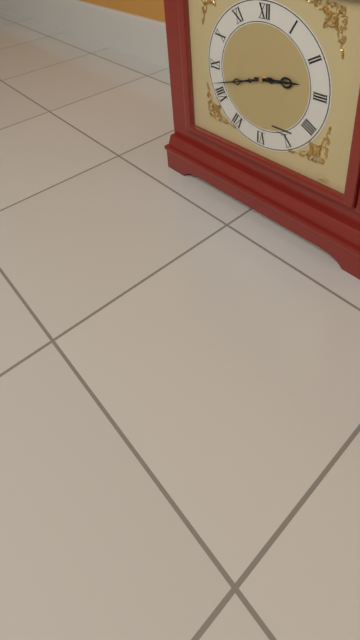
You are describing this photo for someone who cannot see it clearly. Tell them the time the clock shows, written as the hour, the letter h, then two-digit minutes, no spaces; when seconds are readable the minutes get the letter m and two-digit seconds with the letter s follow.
2h42
